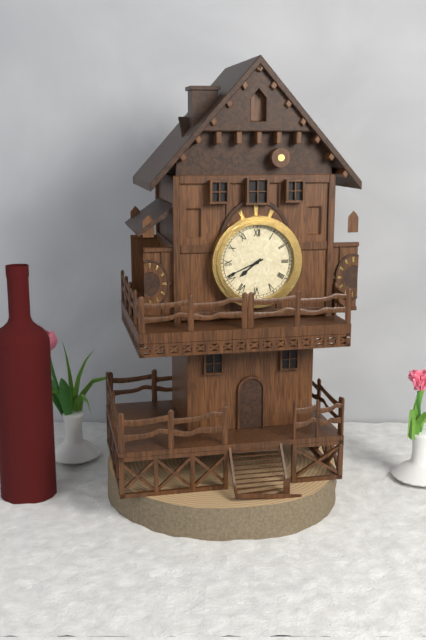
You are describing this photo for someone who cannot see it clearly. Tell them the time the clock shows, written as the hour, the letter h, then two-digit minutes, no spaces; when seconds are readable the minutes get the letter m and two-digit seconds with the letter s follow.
7h41
